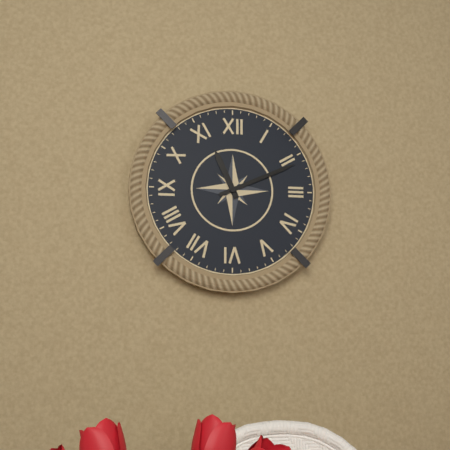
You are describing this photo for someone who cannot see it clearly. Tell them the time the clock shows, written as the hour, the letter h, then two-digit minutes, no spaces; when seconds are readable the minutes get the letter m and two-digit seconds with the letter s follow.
11h11
